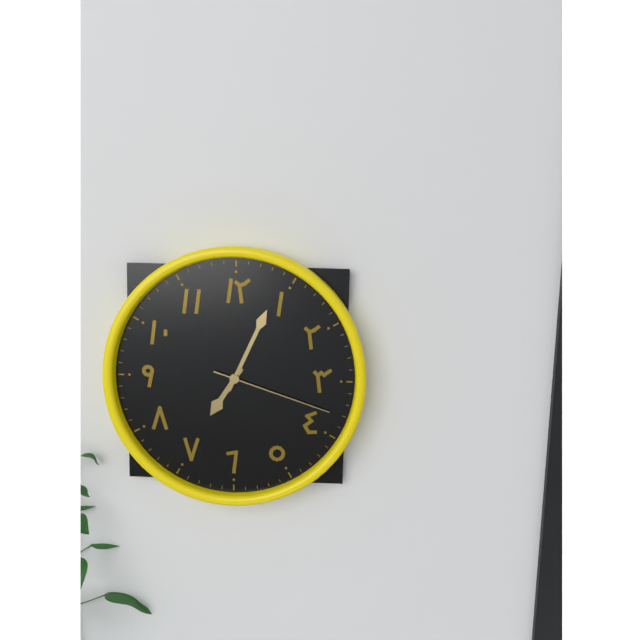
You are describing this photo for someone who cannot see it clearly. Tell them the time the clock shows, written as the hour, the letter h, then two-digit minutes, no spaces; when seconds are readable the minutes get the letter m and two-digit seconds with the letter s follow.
7h04m18s
